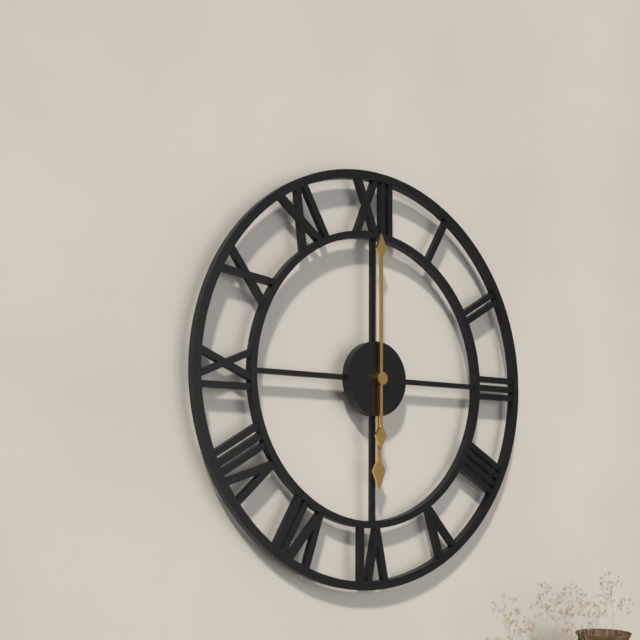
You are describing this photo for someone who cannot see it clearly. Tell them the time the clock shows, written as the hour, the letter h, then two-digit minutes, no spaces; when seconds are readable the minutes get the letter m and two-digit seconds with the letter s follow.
6h00
